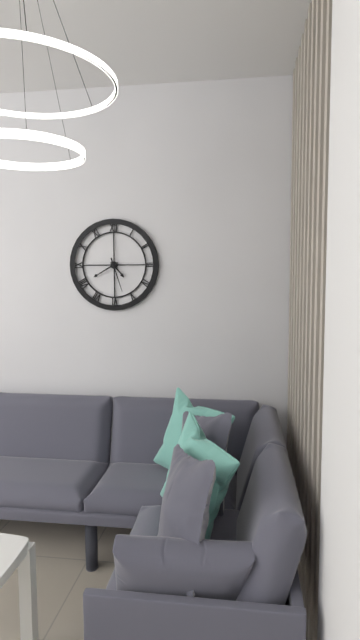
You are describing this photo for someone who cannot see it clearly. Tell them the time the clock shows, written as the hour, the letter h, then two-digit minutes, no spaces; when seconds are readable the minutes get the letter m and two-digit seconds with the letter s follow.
4h40
